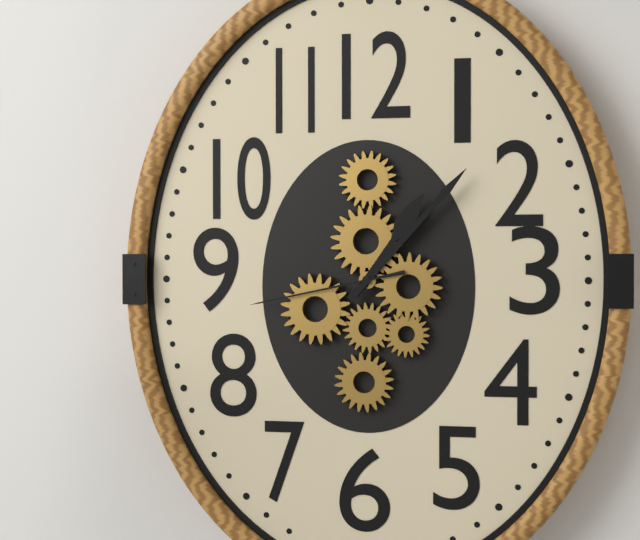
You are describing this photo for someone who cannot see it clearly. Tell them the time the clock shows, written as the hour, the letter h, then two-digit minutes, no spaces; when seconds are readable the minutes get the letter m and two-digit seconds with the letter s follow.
1h07m43s
